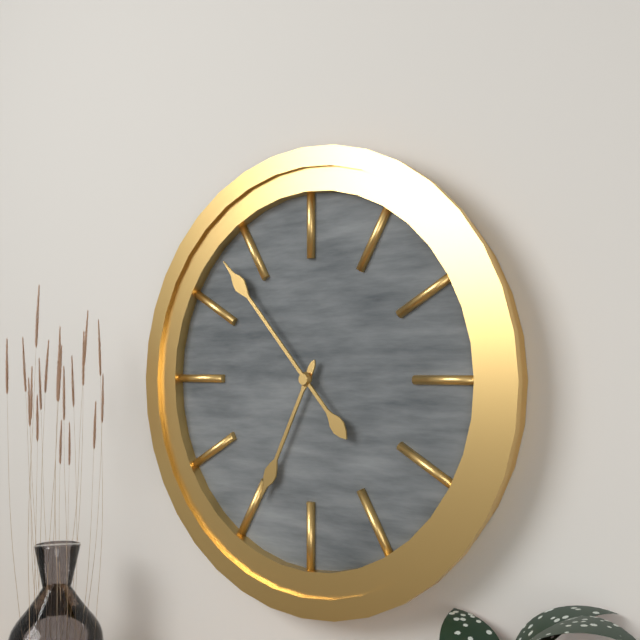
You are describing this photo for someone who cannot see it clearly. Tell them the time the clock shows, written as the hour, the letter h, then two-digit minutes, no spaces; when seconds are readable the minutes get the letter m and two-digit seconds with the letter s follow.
6h53
